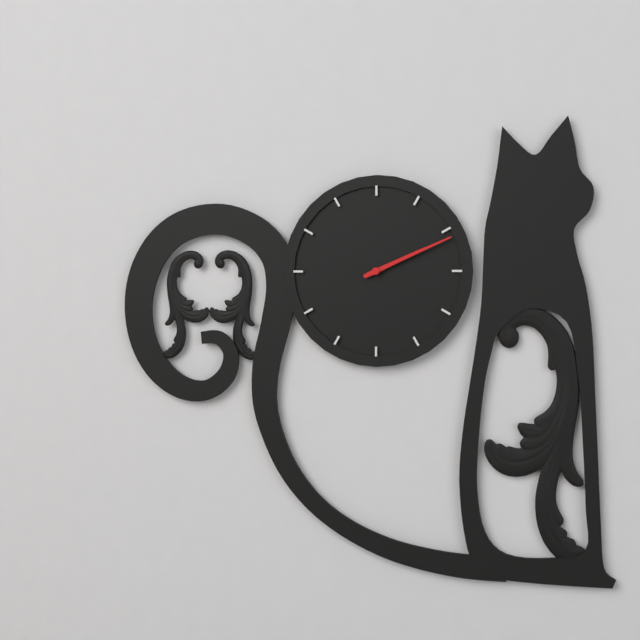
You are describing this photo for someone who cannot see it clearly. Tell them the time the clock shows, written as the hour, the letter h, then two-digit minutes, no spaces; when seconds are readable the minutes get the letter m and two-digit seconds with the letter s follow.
2h11
